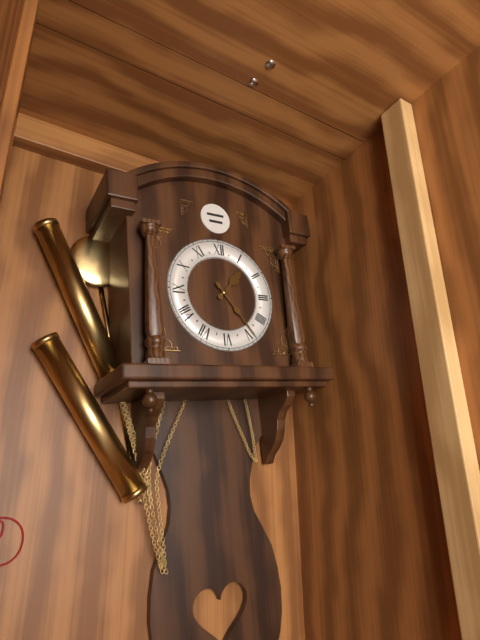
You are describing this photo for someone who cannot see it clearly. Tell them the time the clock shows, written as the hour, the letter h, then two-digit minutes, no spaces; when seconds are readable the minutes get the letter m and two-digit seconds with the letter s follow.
1h24
